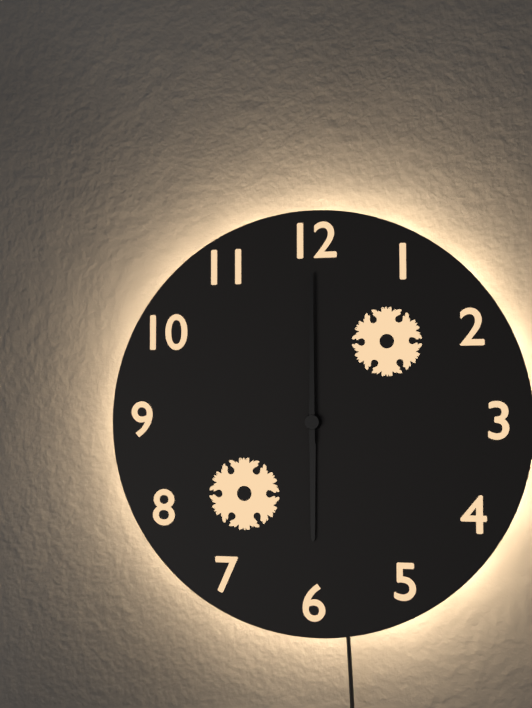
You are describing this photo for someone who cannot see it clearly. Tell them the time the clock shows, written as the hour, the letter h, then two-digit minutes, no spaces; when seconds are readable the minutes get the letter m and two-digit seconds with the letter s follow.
6h00
